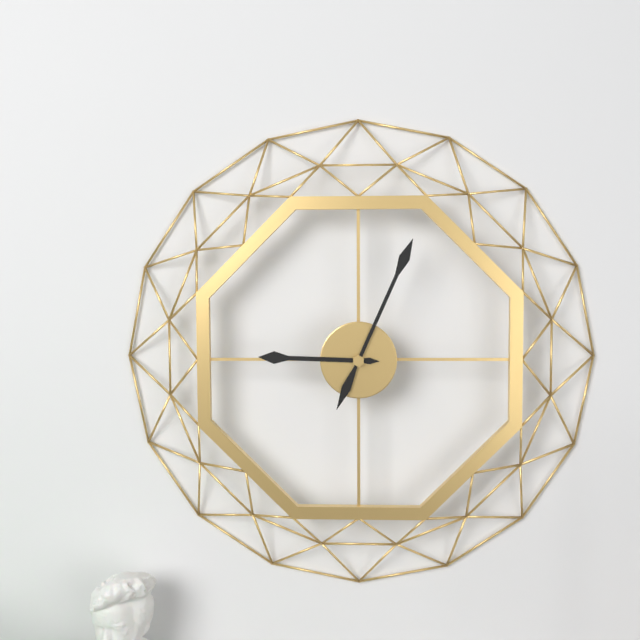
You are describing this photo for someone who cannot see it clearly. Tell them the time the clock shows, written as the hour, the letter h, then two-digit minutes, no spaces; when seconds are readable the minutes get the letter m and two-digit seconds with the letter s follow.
9h04
